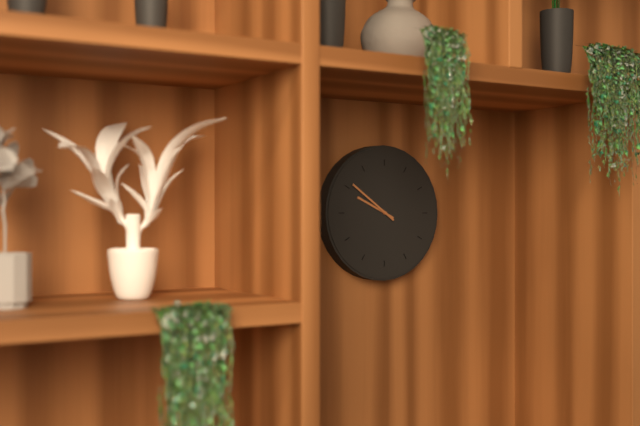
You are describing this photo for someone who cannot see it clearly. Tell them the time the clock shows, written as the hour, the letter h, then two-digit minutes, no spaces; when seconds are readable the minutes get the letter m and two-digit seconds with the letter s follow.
9h51
